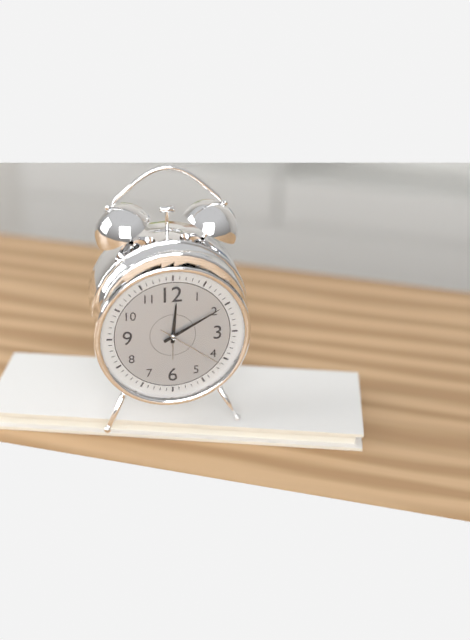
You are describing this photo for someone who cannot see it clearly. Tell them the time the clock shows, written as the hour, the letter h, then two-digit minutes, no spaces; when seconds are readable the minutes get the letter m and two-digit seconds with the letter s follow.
12h10m21s
